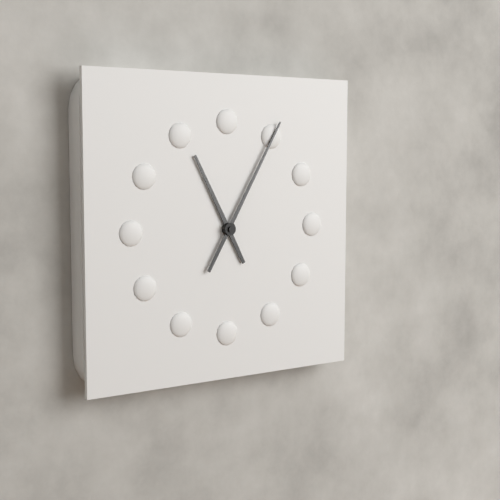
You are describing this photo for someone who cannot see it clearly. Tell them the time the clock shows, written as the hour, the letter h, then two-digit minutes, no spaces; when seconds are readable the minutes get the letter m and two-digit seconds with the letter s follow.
11h05
